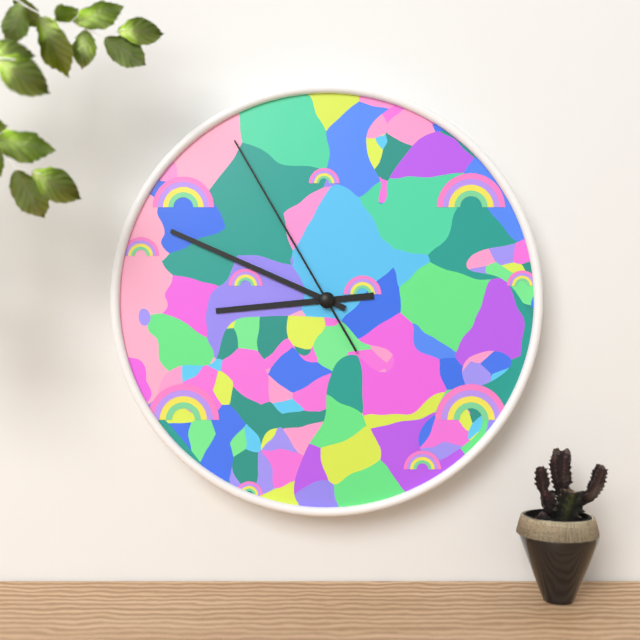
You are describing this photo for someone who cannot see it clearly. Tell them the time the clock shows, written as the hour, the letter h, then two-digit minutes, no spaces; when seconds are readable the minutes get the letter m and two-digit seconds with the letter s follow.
8h49m55s
